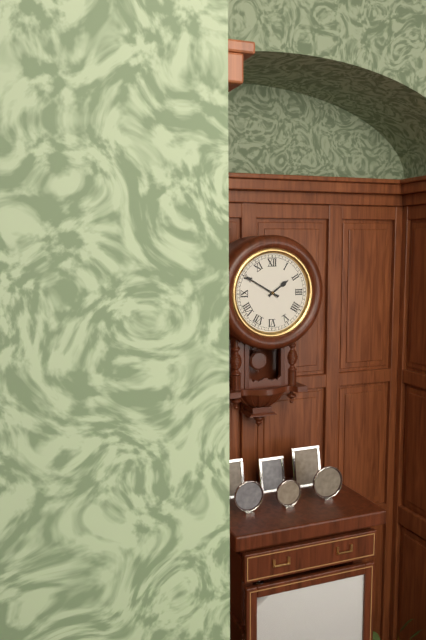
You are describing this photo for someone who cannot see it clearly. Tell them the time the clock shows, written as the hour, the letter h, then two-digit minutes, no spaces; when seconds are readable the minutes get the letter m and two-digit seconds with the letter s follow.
1h50
